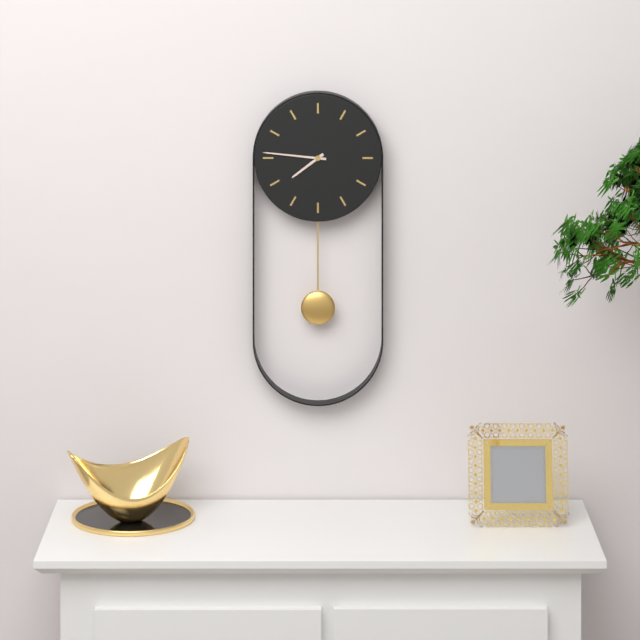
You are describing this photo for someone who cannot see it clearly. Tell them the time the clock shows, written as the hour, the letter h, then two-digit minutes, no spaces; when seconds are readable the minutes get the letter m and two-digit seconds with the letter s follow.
7h46
